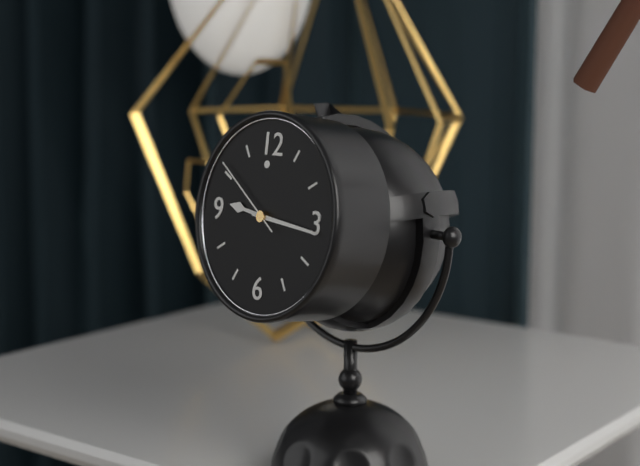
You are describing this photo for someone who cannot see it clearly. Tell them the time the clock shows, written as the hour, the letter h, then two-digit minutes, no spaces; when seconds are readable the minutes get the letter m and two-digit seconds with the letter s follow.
9h16m51s
